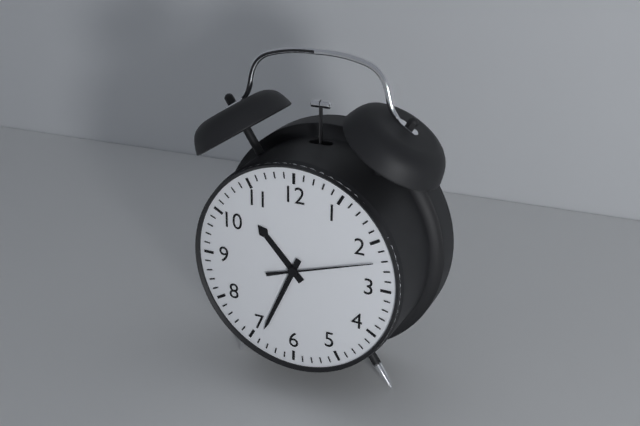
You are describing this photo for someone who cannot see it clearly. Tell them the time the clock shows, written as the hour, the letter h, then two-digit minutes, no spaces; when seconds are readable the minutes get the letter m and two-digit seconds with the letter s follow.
10h34m12s
